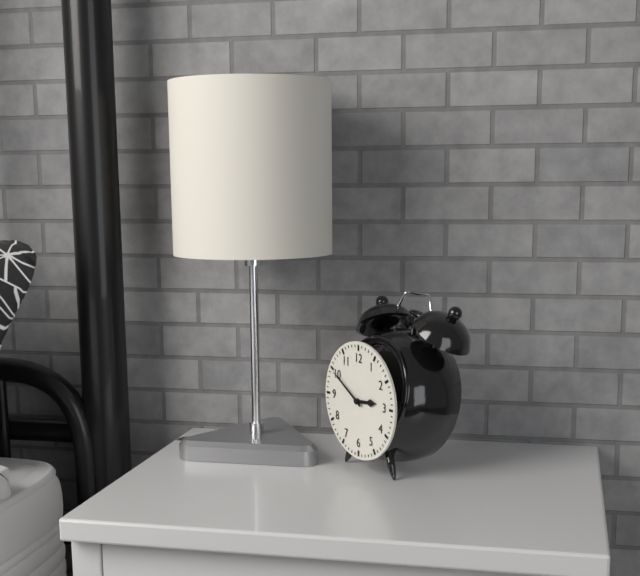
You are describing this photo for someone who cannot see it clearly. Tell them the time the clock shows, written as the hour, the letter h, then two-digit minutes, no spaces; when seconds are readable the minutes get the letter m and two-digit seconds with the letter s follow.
2h50
